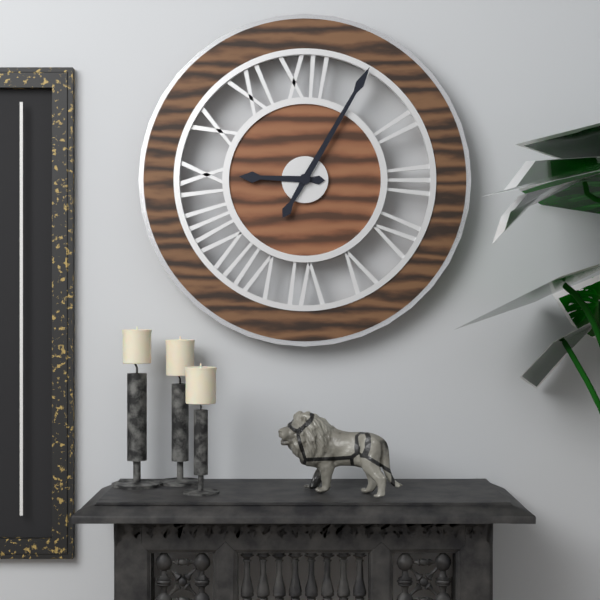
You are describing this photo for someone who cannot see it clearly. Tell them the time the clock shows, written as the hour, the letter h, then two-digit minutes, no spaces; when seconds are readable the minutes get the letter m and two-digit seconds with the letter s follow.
9h05
